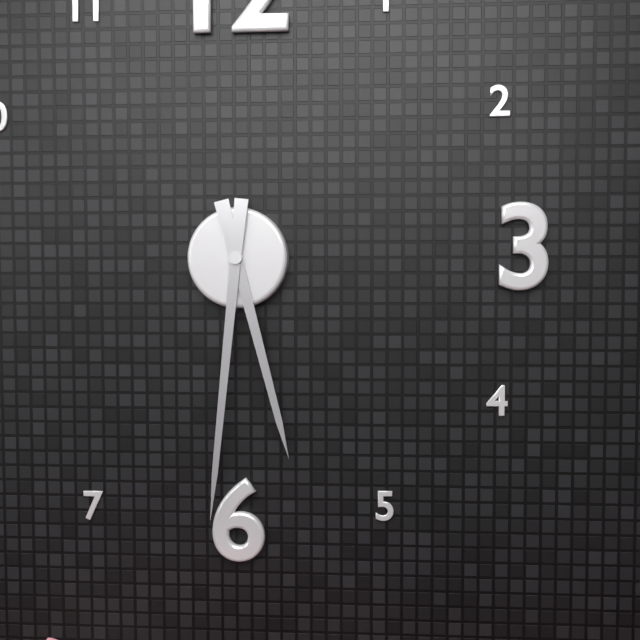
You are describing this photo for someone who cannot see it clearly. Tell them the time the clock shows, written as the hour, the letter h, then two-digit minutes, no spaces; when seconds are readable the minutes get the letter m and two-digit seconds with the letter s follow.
5h31
